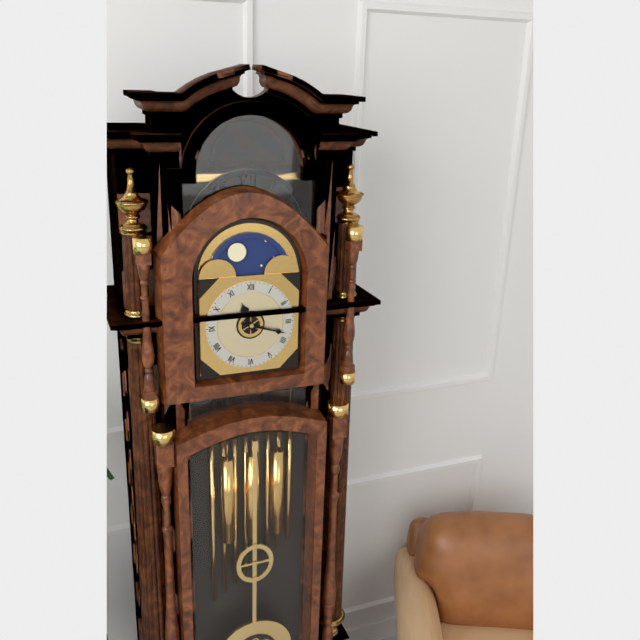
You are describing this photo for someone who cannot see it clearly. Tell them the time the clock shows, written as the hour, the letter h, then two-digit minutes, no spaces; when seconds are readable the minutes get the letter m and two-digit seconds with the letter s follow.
11h18
